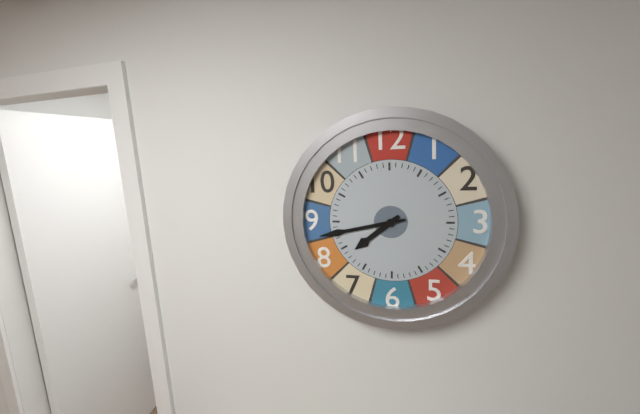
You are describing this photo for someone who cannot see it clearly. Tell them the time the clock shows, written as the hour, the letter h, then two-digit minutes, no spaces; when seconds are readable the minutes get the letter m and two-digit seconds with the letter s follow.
7h43
